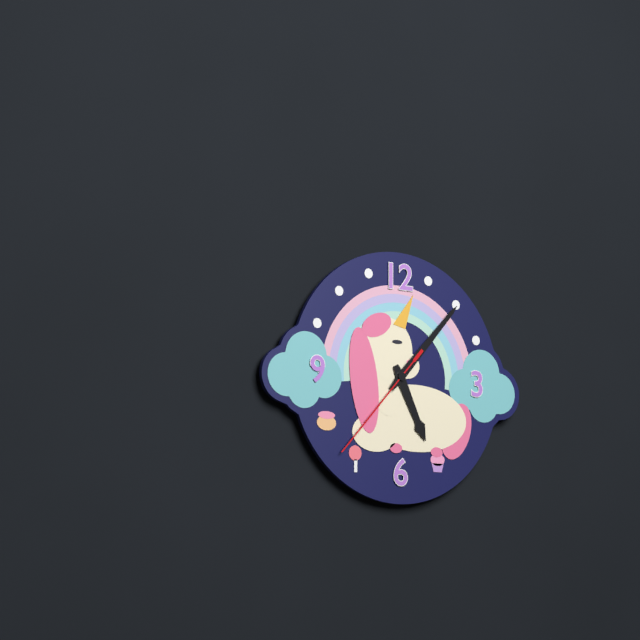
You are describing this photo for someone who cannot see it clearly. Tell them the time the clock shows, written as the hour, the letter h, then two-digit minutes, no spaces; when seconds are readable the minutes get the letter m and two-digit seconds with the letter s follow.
5h07m37s
